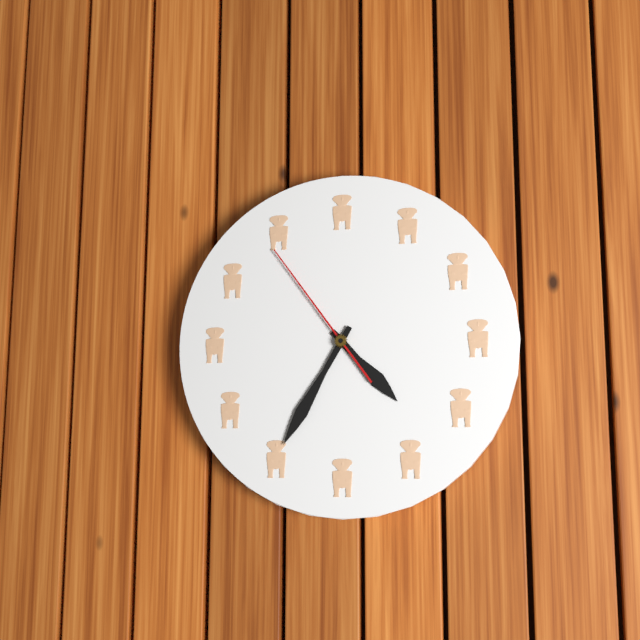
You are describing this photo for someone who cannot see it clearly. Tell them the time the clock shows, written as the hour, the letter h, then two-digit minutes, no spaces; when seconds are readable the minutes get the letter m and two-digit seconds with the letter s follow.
4h35m54s
